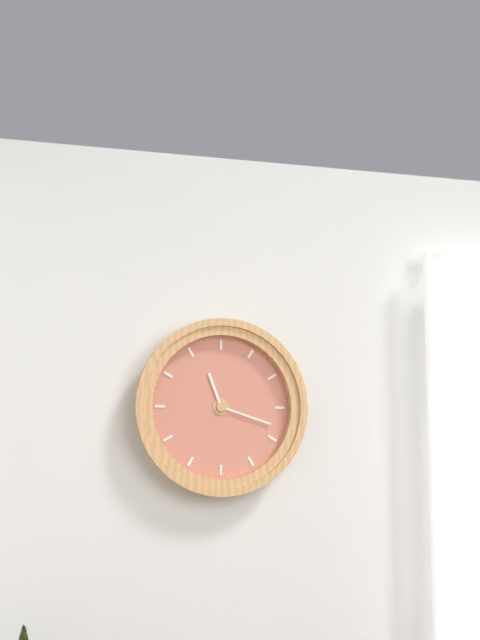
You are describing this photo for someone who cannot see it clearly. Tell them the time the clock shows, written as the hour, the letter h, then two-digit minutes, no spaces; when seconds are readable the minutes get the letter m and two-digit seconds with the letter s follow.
11h18
